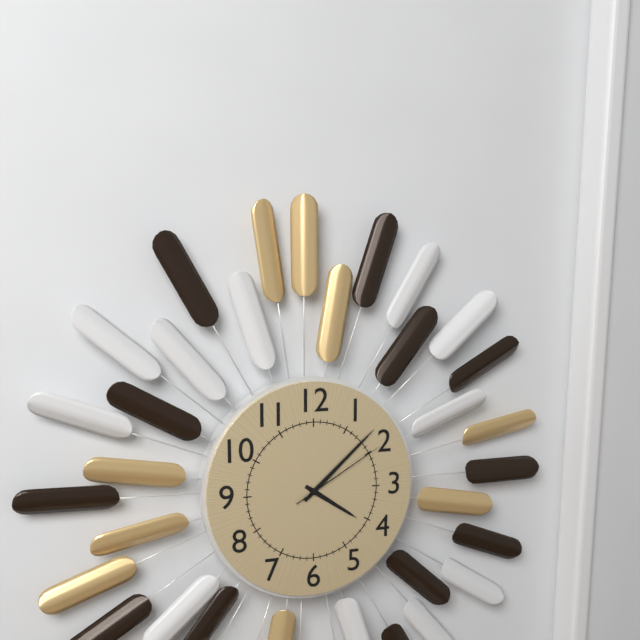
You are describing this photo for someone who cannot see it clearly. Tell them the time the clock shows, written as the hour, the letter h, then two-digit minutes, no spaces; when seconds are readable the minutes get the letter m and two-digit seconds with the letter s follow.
4h08m10s
